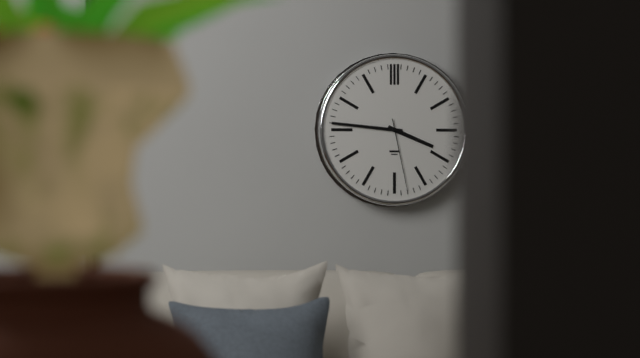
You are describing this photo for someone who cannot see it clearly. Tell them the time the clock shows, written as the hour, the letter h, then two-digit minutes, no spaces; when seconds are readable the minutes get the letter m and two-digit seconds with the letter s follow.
3h46m28s
